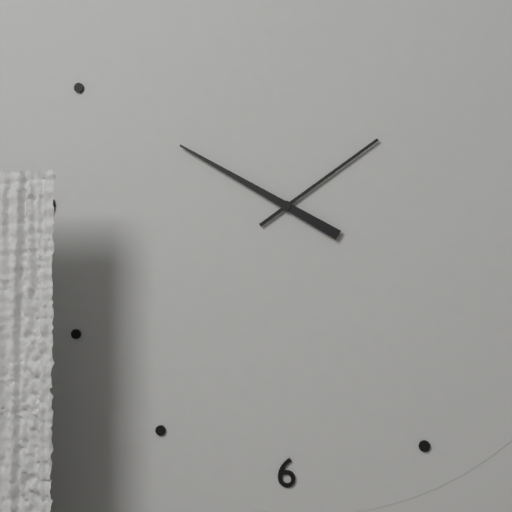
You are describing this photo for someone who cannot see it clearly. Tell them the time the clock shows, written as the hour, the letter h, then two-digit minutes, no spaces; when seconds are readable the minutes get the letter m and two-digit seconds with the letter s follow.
1h50
